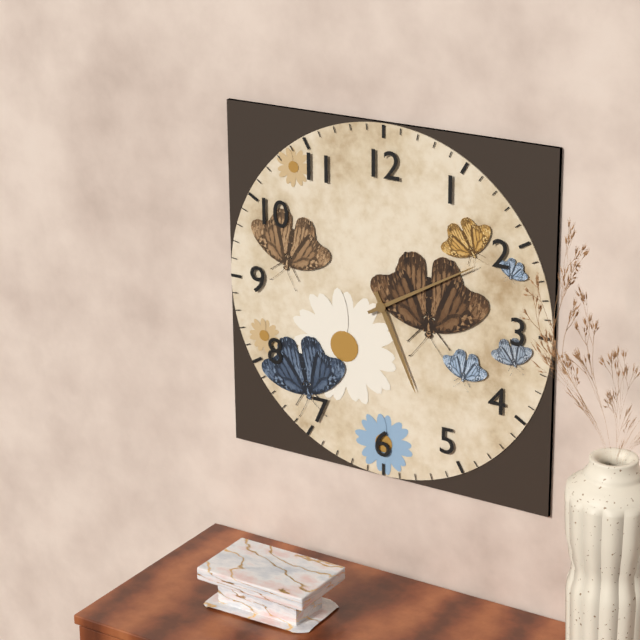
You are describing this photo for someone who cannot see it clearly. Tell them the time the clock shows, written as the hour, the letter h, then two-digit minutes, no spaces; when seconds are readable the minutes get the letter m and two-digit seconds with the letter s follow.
5h10
